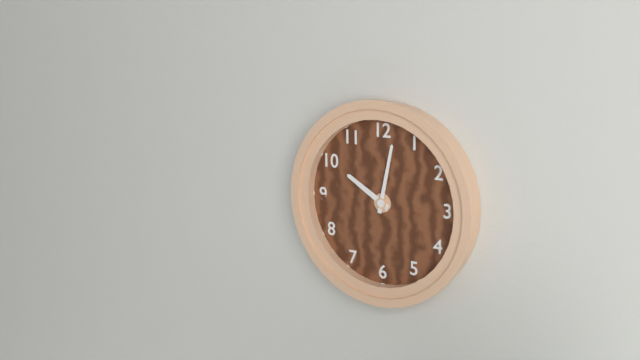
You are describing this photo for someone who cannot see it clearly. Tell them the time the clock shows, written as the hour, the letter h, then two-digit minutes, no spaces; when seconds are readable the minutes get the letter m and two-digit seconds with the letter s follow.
10h02
